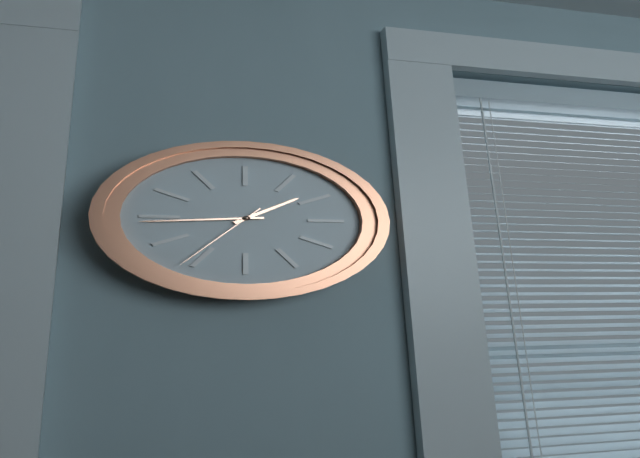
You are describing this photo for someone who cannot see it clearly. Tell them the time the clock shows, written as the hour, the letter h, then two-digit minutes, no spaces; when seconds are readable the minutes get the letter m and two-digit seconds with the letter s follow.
1h44m36s
